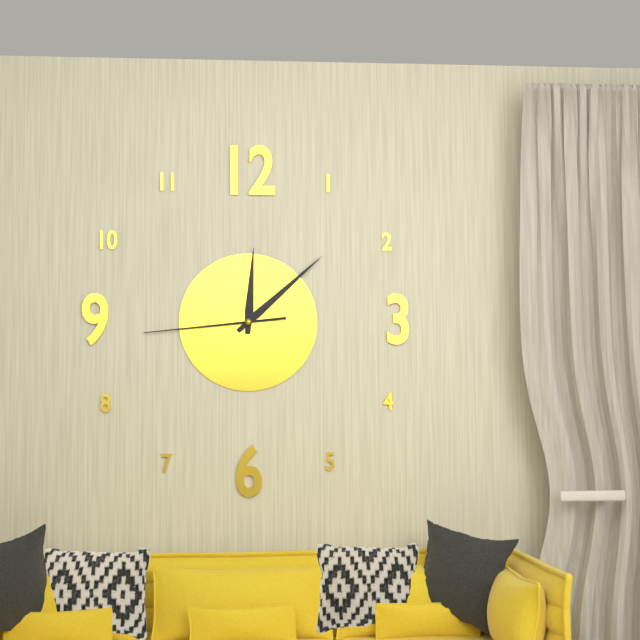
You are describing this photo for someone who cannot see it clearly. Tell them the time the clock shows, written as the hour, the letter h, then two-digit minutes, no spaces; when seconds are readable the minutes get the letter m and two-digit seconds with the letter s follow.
12h08m44s
